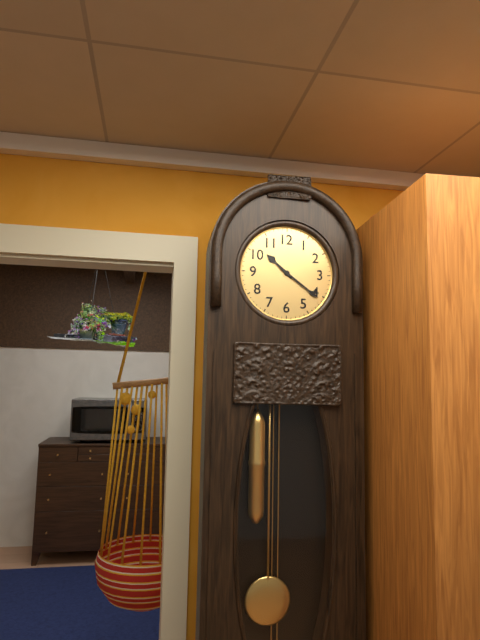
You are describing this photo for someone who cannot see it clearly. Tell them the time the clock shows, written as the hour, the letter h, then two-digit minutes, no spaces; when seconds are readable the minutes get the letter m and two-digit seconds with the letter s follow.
10h21
